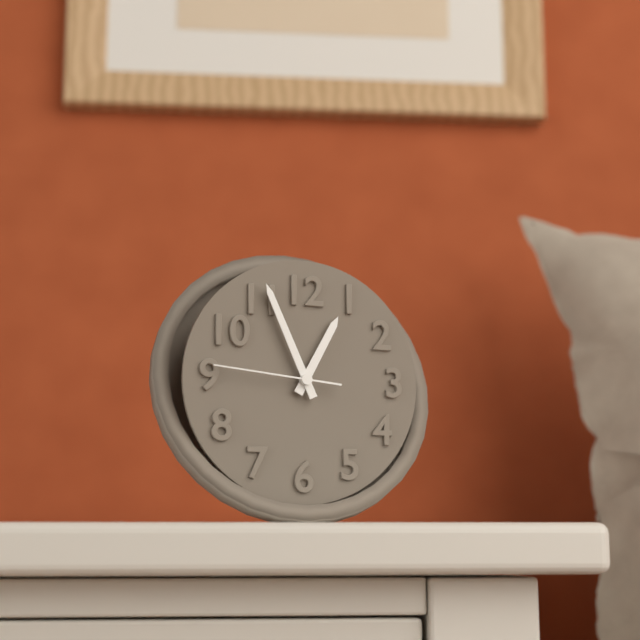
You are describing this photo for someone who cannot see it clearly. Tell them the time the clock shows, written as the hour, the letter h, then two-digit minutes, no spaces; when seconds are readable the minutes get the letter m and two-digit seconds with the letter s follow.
12h56m46s
